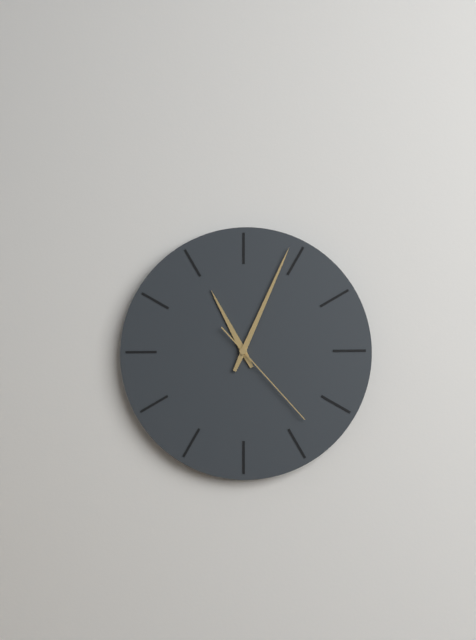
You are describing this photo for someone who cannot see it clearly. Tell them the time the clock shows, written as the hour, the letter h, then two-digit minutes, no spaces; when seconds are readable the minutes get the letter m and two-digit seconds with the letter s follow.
11h04m23s
